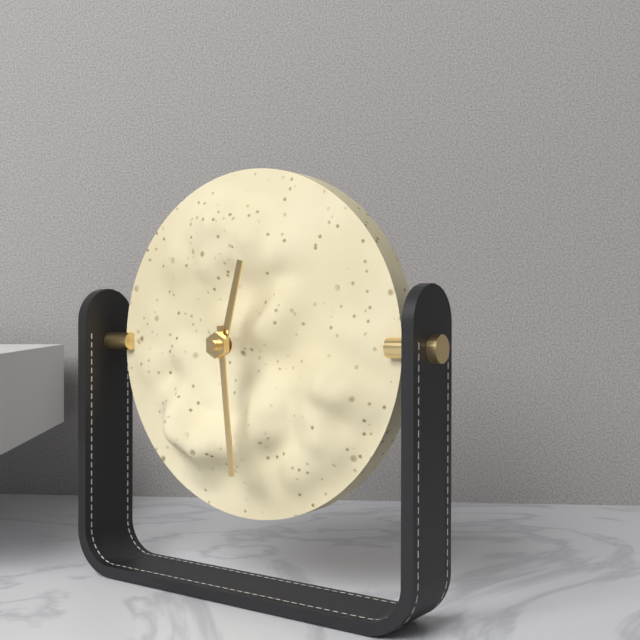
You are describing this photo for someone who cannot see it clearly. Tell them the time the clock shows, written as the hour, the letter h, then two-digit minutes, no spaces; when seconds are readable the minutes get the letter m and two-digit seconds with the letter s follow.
12h29
